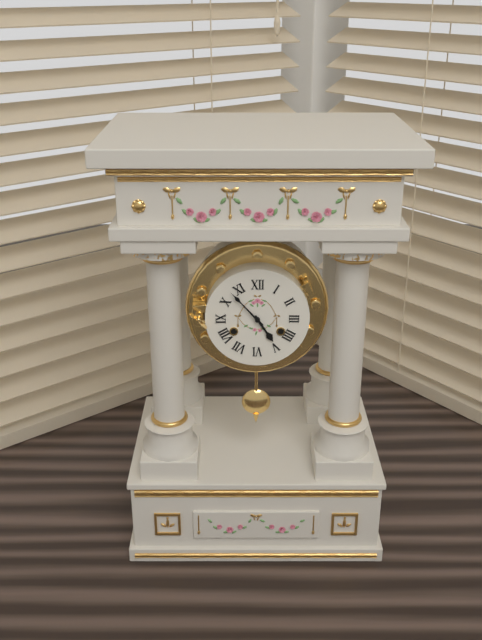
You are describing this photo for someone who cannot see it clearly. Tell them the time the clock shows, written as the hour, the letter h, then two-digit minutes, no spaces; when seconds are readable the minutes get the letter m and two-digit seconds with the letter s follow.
4h53
